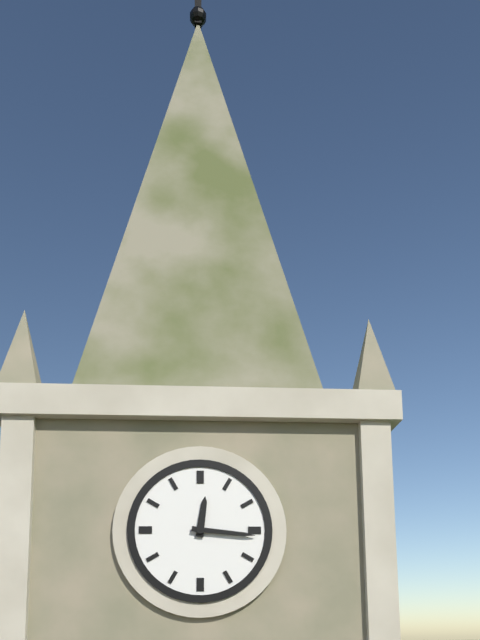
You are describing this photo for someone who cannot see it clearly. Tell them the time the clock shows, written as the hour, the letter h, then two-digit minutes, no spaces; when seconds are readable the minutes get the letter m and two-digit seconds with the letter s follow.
12h16
